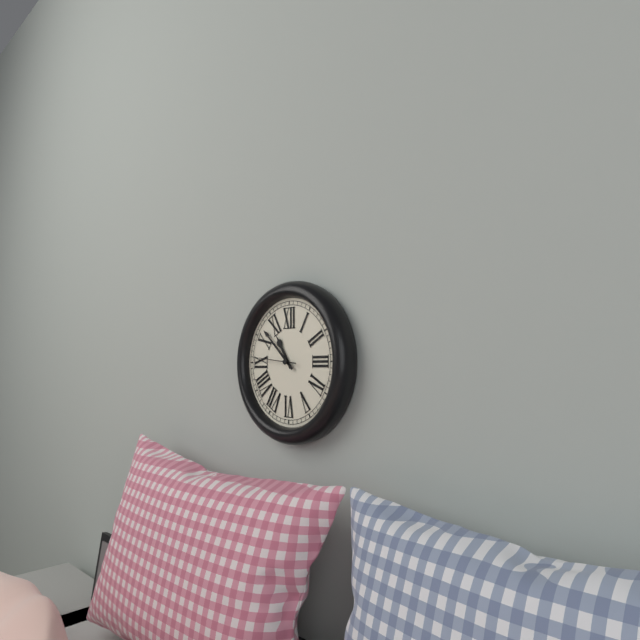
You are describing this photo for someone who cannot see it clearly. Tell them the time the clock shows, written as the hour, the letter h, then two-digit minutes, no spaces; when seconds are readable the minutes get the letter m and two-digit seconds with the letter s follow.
10h52m46s
